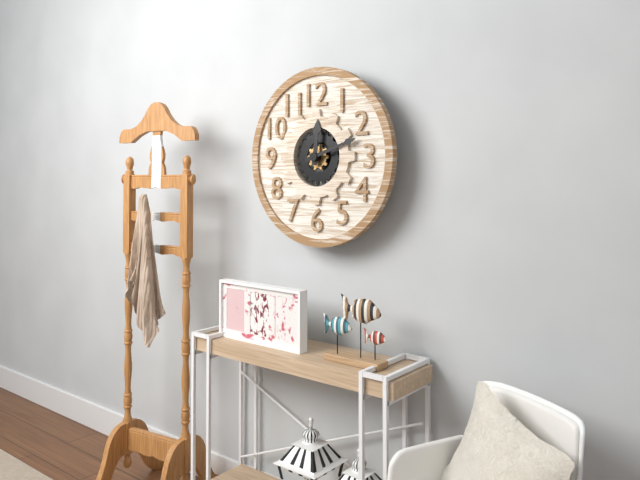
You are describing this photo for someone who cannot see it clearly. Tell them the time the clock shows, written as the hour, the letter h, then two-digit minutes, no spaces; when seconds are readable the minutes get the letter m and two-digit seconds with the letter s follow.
12h12
